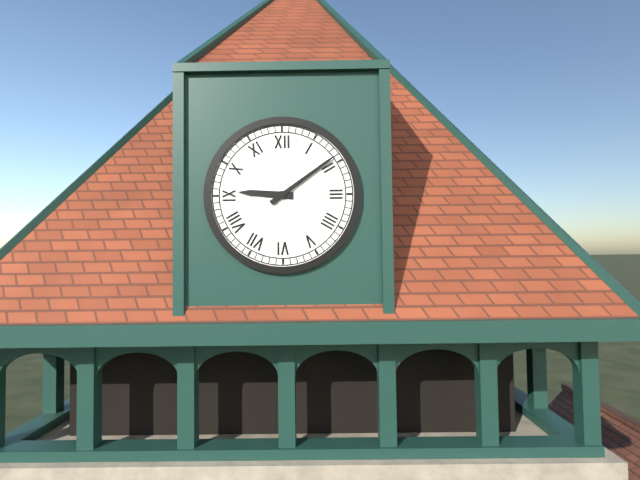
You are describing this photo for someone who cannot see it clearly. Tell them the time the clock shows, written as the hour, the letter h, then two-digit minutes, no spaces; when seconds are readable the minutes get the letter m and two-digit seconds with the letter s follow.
9h09
